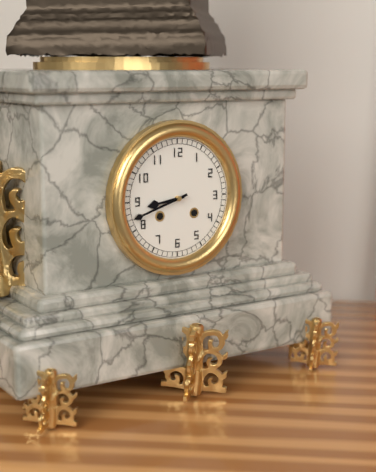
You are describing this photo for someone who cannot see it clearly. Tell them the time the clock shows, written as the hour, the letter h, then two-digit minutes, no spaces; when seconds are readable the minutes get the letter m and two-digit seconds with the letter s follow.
8h42
